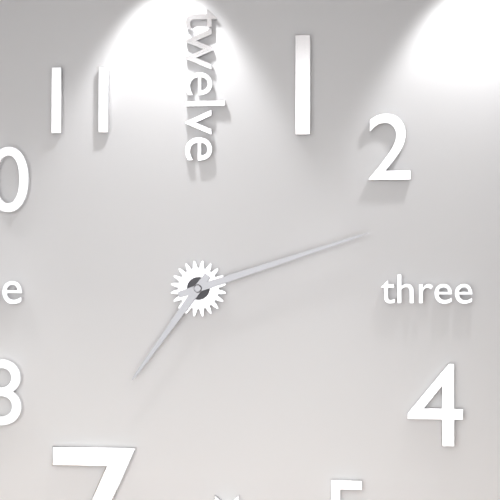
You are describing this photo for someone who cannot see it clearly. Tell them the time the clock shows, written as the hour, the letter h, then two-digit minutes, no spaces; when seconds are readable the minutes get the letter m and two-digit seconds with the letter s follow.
7h12
